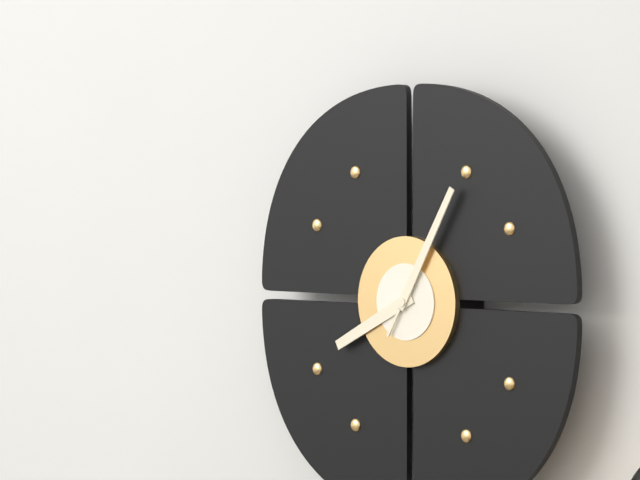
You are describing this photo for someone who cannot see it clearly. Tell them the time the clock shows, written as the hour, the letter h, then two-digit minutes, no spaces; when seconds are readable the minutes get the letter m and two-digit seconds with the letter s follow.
8h05
